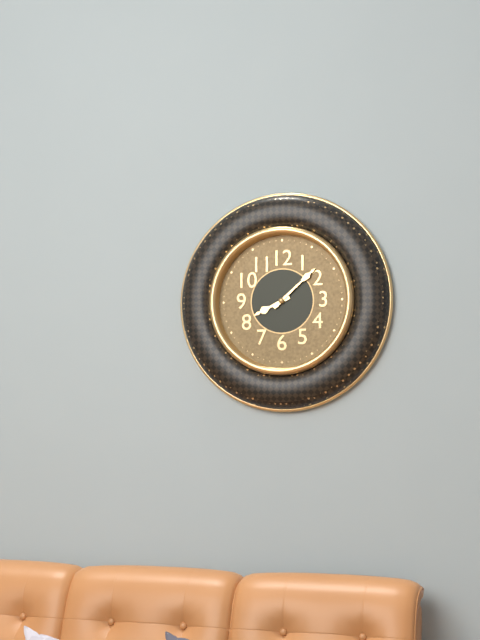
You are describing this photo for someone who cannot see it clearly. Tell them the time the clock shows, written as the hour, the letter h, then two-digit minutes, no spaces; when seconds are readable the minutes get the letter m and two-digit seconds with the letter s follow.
8h08
